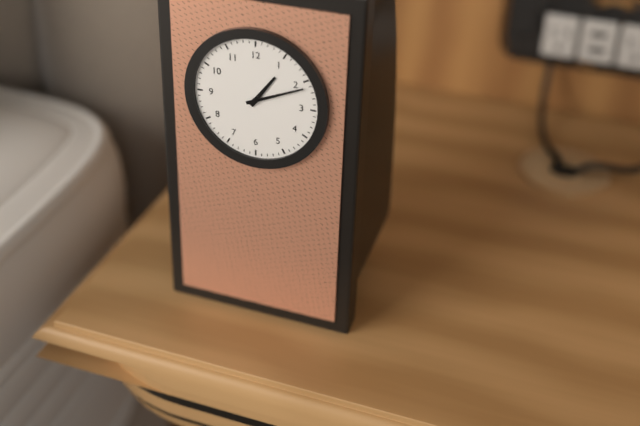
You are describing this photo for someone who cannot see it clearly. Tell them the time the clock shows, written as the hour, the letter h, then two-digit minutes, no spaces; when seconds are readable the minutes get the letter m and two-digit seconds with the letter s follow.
1h11
